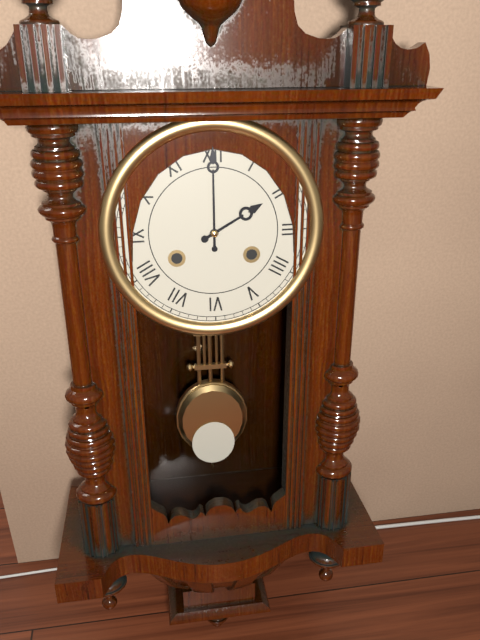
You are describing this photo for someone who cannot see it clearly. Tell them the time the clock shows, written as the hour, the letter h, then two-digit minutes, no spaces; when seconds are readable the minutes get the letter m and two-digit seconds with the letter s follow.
2h00
